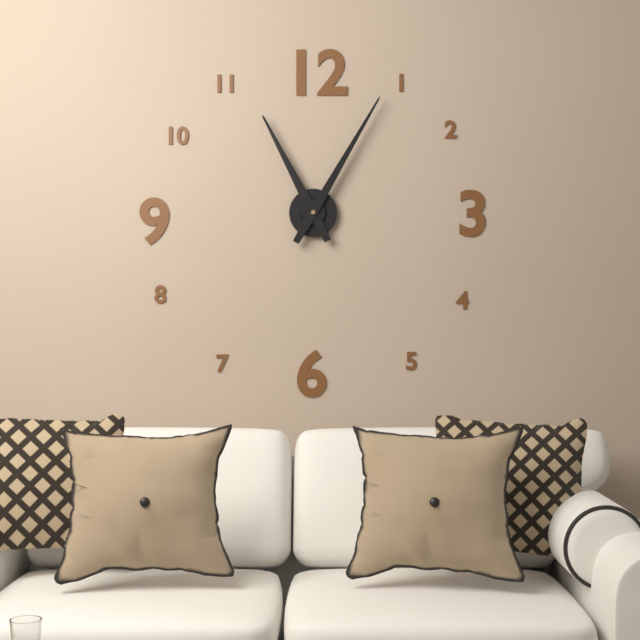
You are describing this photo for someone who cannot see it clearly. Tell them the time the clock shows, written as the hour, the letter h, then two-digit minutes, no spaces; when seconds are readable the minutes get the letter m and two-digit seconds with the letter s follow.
11h05
